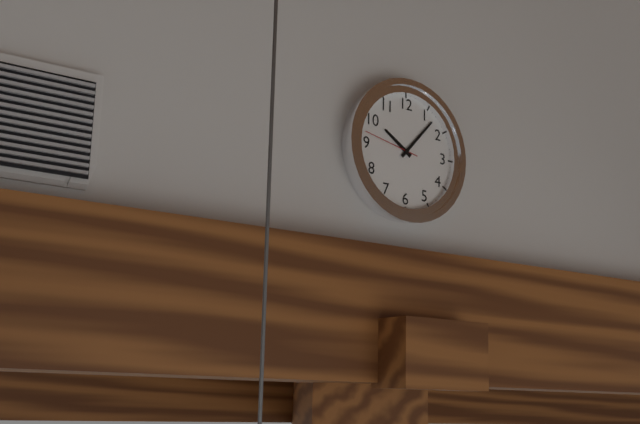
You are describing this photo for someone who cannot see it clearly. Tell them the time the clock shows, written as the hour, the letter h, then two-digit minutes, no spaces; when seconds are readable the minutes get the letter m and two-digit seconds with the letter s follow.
10h07m47s
